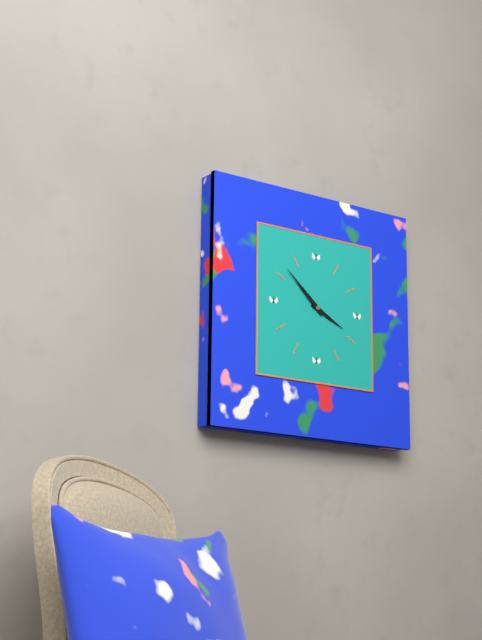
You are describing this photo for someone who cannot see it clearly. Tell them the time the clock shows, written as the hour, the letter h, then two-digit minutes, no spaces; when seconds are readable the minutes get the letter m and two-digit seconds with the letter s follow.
3h52
